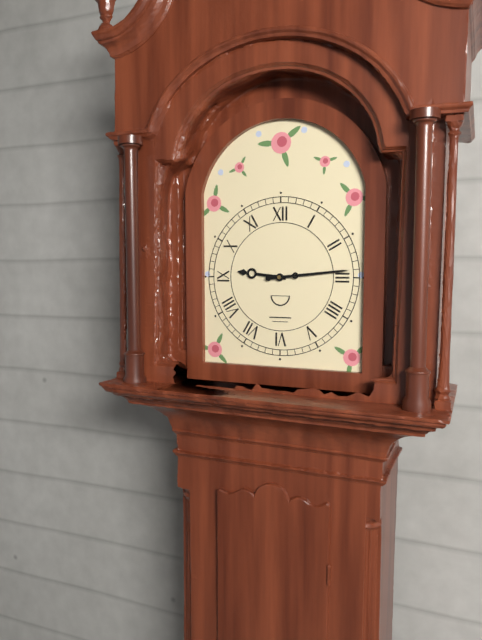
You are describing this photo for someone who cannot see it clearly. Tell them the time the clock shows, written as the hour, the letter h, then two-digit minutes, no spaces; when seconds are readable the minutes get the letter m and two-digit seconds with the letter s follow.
9h14
